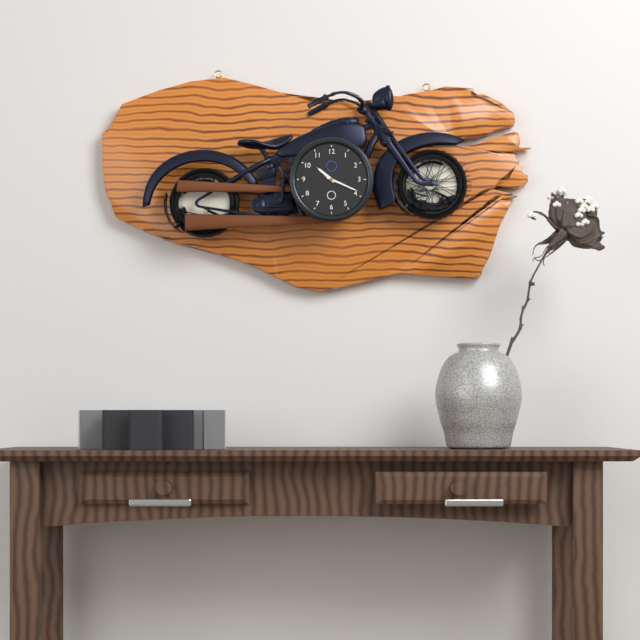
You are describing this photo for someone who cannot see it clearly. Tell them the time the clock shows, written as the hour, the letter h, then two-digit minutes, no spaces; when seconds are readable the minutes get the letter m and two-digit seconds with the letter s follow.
10h19
